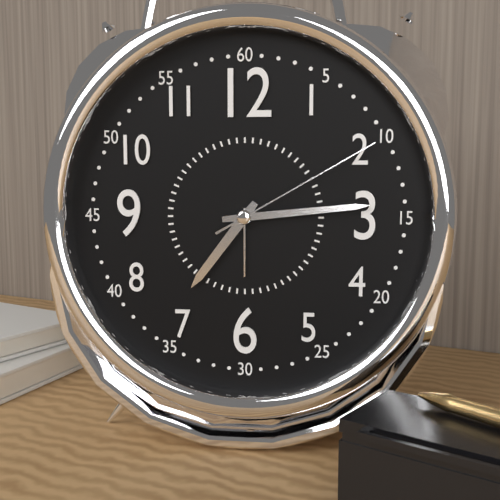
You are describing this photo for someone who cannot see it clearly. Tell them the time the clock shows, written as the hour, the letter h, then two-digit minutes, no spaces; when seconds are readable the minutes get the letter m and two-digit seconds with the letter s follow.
7h14m10s
